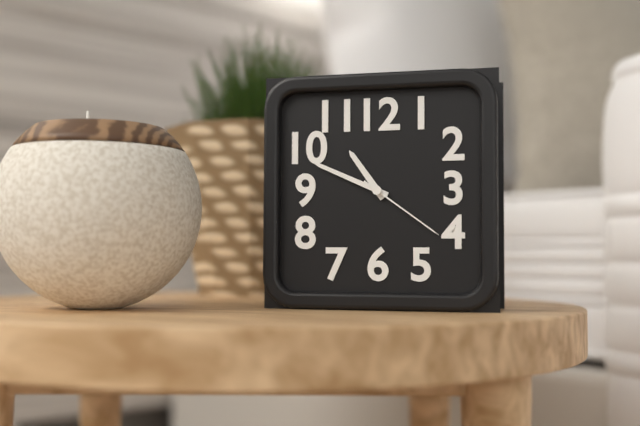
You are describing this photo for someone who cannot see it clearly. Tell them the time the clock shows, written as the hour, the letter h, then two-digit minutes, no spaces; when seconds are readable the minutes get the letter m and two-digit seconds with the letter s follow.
10h49m21s
